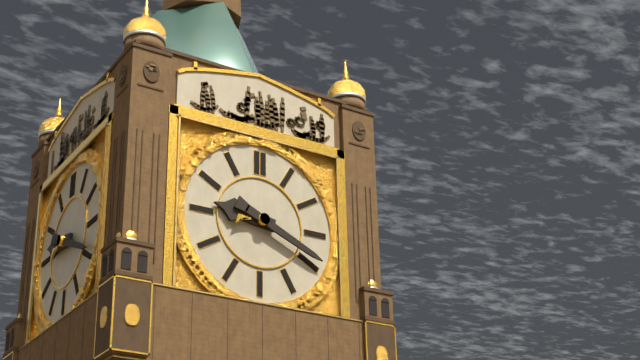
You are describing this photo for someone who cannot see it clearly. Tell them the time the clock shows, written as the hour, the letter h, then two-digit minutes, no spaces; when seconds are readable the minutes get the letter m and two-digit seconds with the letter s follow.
9h19
